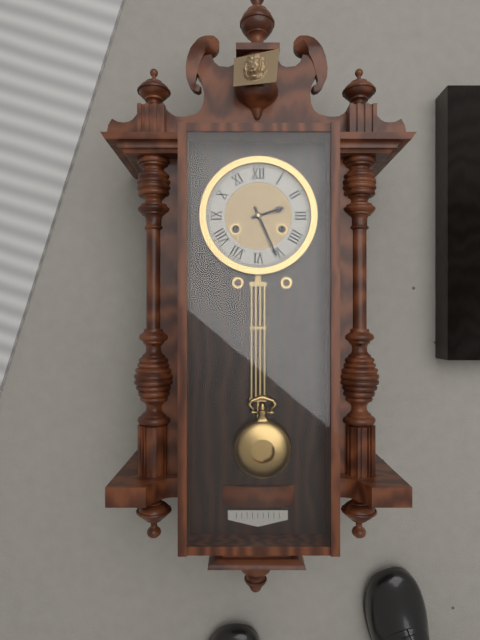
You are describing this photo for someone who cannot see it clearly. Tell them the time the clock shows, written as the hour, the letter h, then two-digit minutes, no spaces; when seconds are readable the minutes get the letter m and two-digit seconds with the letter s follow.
2h26
